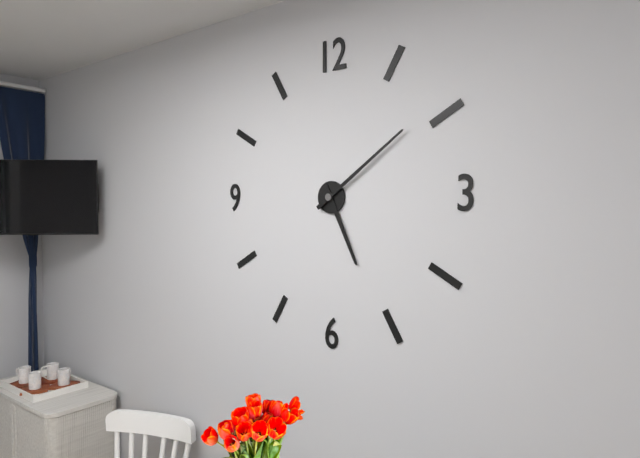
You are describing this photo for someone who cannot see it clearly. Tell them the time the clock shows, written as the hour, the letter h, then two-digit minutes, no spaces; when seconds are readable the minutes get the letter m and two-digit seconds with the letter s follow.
5h09
